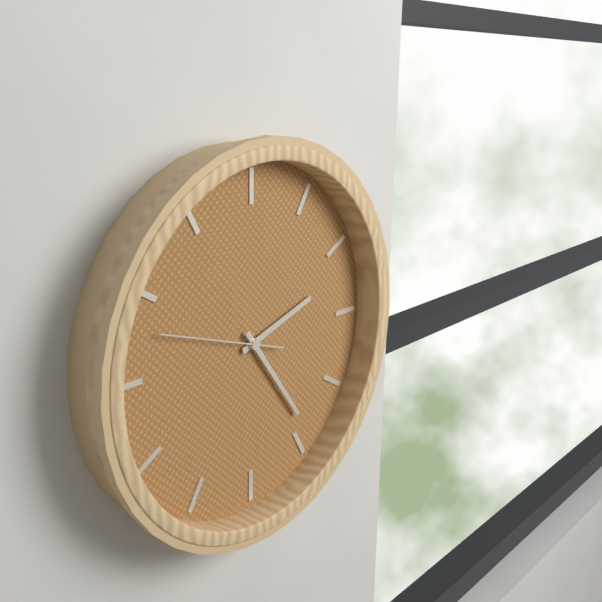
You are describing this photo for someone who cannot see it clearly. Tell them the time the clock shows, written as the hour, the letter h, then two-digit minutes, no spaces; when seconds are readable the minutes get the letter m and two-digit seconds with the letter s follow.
2h24m48s
